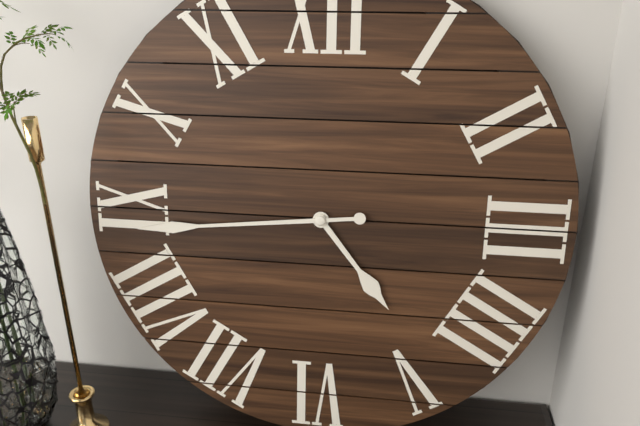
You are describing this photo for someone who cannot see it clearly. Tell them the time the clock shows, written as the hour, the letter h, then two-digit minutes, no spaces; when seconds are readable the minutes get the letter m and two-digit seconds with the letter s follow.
4h44
